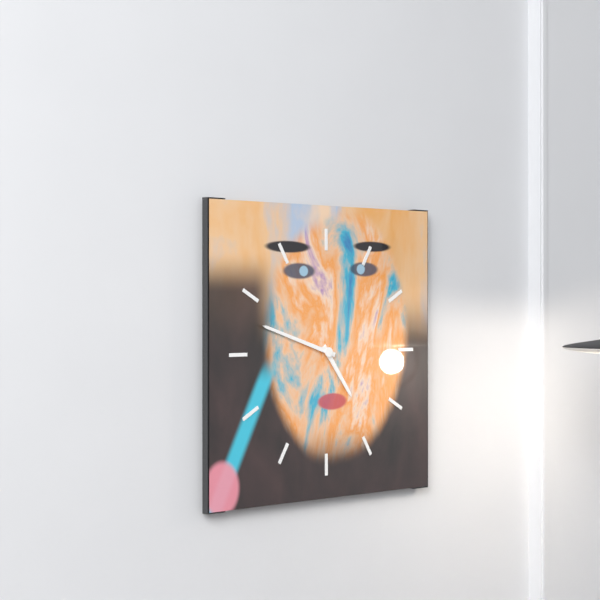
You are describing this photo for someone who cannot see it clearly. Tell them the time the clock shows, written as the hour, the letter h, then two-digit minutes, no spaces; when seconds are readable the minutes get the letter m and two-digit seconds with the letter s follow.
4h48
